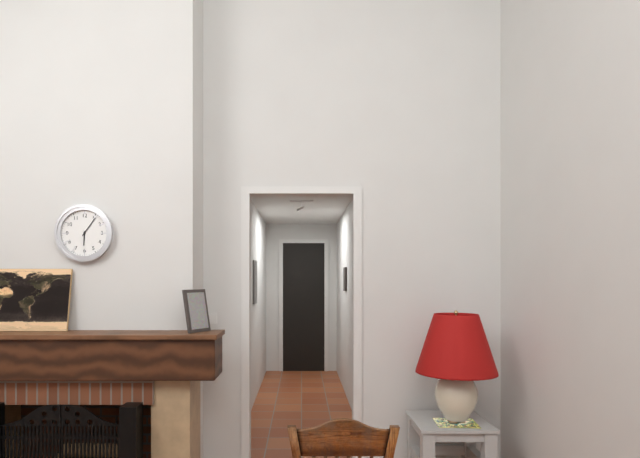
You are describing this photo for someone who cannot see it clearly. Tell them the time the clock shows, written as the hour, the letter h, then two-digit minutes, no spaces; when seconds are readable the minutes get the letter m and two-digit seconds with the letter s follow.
6h06
